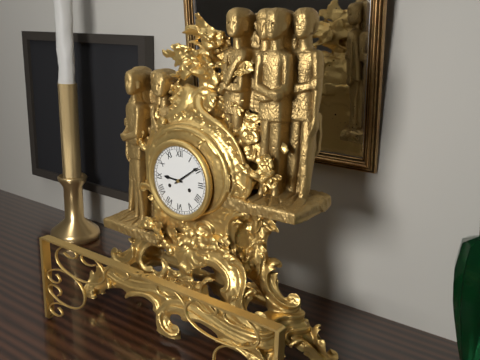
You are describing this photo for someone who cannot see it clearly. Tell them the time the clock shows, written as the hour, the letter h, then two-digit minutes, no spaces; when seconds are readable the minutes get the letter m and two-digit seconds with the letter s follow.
9h09
